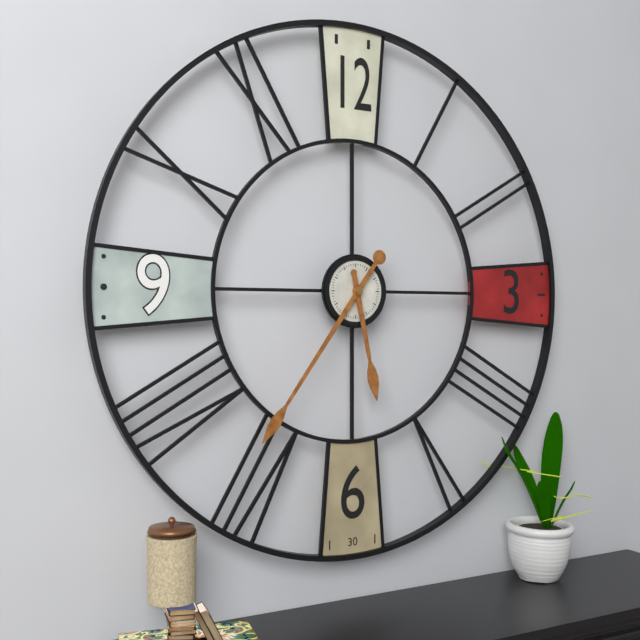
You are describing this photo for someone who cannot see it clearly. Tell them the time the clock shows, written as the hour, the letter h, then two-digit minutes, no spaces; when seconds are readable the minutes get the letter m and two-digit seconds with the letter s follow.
5h36
